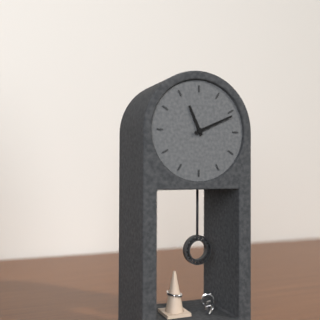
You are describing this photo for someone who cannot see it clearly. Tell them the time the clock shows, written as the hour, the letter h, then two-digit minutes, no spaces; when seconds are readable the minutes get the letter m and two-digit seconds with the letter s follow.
11h11
